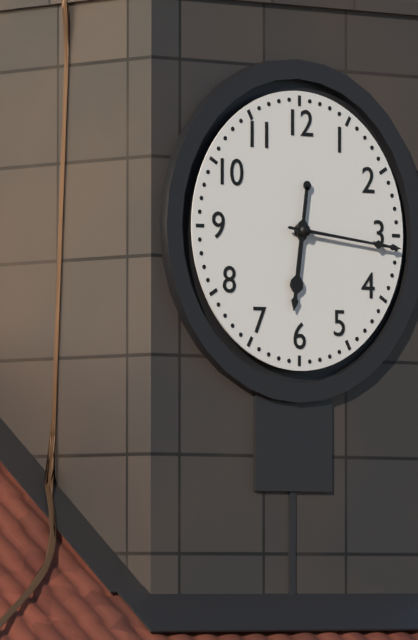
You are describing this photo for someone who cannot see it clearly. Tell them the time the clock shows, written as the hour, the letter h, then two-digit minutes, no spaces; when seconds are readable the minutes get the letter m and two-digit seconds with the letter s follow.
6h16
